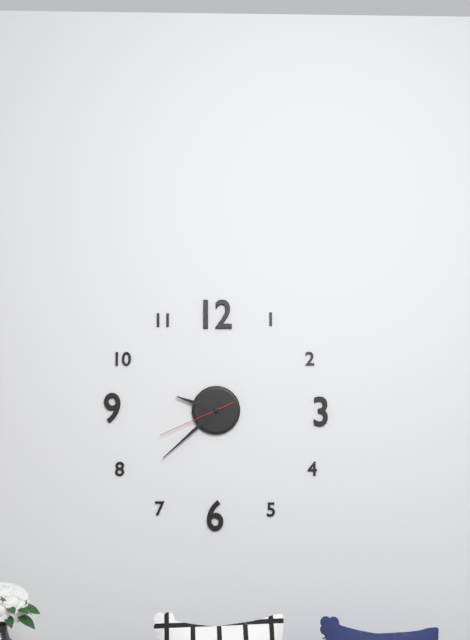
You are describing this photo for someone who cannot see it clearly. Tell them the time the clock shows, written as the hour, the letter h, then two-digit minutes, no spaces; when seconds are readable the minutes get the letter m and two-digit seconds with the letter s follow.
9h38m41s
